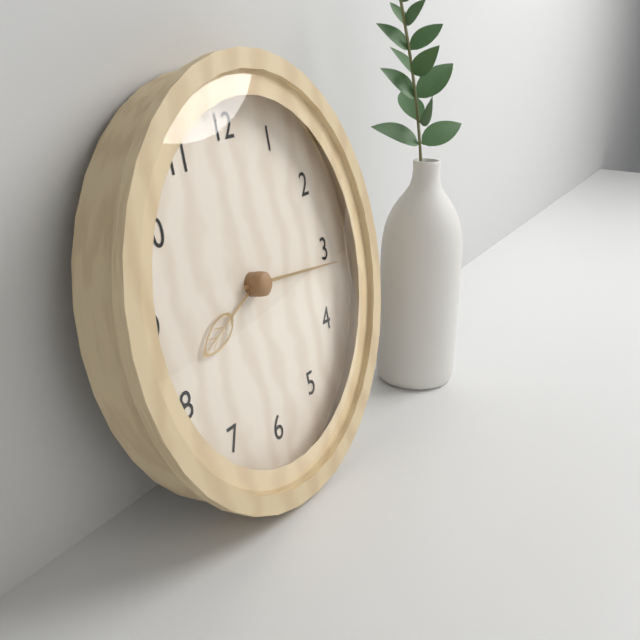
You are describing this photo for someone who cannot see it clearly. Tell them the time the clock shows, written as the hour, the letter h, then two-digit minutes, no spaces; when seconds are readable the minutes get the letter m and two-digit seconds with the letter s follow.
8h16
